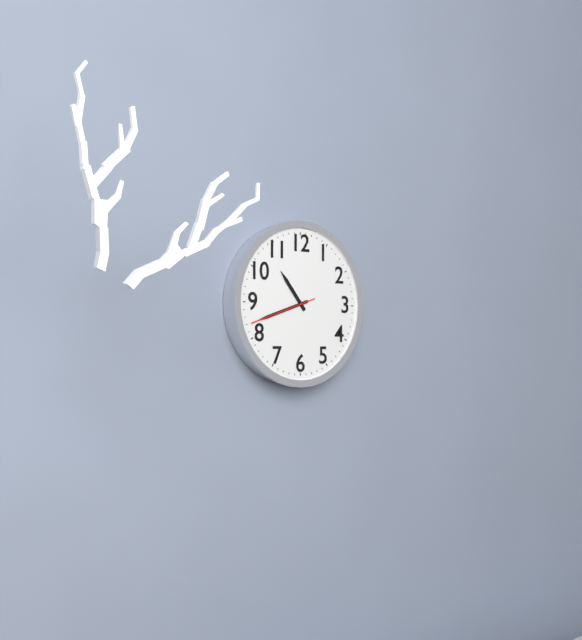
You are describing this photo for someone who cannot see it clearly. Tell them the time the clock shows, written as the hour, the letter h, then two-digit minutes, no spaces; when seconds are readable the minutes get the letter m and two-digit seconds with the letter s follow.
10h42m42s
